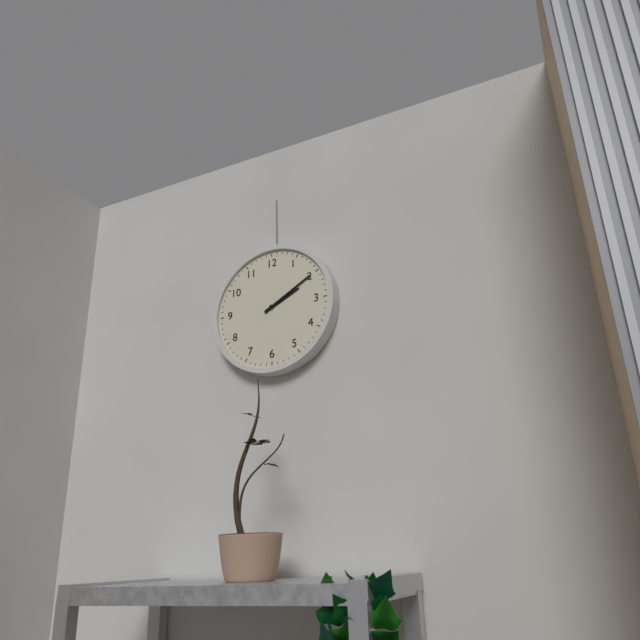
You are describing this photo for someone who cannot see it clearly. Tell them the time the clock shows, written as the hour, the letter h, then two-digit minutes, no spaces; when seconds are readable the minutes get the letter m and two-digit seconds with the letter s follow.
2h10
